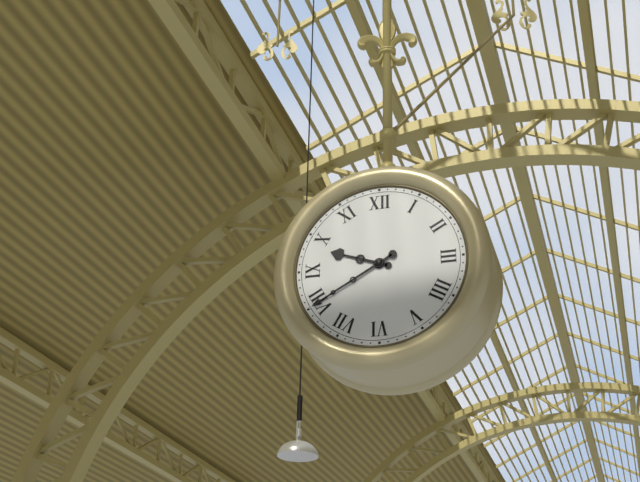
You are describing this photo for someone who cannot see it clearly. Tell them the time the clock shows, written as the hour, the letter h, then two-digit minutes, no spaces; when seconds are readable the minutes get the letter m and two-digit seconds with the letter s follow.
9h40
